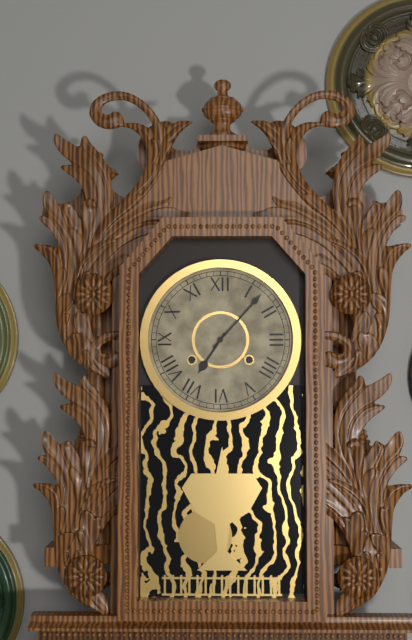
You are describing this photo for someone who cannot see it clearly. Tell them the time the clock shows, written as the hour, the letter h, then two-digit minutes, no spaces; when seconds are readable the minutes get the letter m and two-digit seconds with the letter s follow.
7h07
